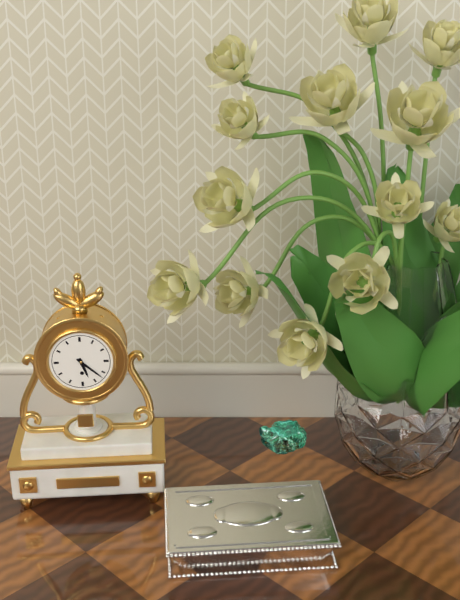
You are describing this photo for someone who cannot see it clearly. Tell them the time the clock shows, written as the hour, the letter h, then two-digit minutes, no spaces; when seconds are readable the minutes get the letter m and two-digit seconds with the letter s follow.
5h22
